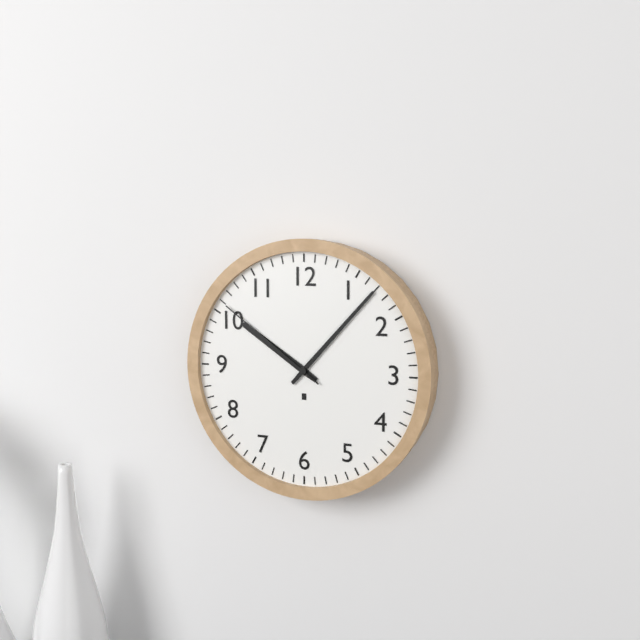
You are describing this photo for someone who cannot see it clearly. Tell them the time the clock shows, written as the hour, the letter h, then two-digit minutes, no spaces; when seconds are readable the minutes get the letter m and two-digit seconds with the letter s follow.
10h07m51s
